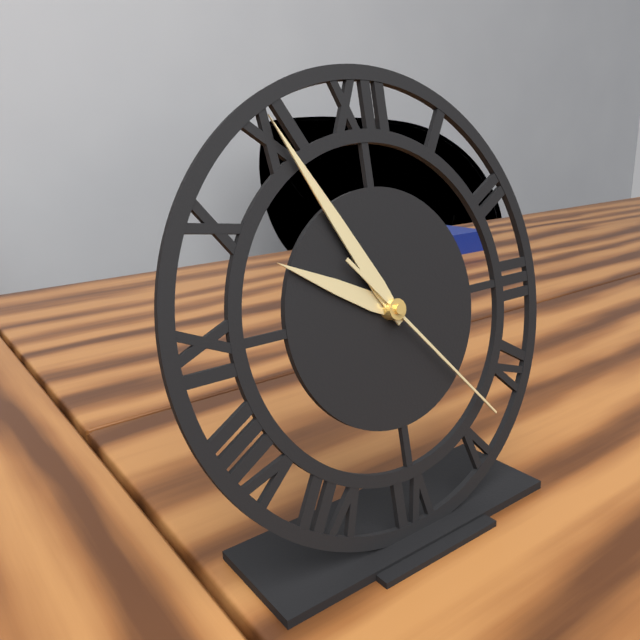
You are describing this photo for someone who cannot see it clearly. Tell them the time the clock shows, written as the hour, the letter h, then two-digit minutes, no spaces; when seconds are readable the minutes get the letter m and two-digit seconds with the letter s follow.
9h55m23s
